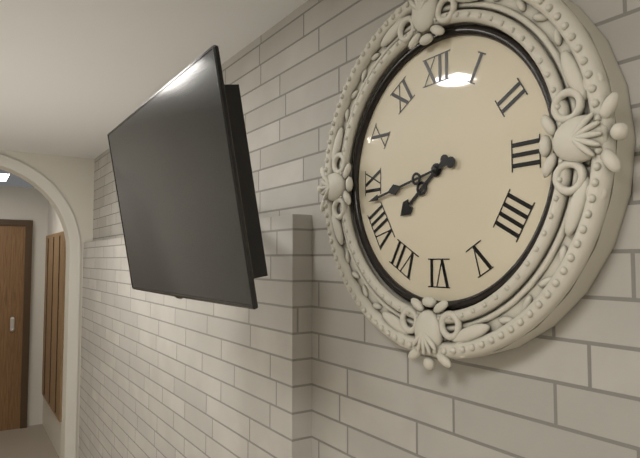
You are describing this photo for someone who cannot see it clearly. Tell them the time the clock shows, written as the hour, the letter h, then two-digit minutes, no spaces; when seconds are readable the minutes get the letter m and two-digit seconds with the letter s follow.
7h43
